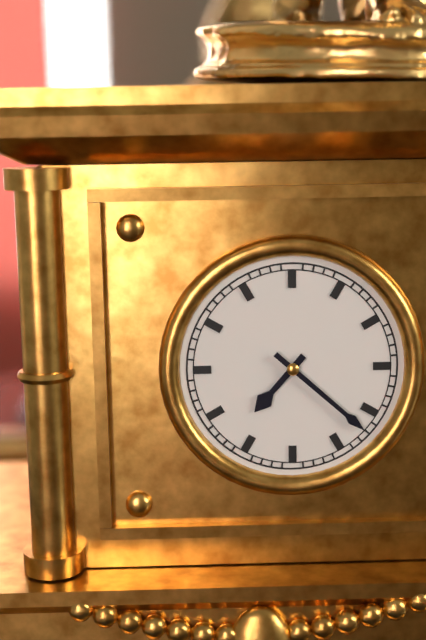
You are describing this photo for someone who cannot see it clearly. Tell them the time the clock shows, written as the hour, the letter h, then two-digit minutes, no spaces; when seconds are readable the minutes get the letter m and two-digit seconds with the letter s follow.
7h22
